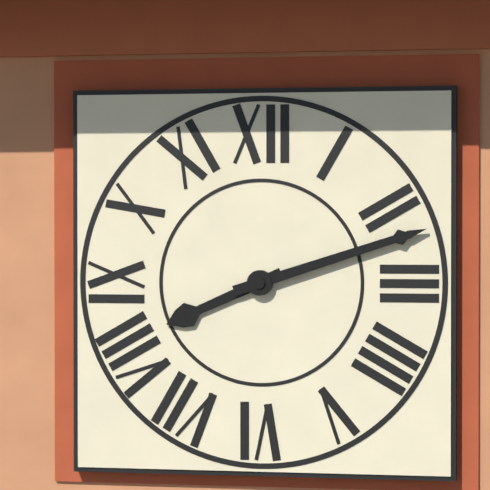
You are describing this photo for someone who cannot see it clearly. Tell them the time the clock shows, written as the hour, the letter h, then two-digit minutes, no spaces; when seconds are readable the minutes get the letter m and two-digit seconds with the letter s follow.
8h12
